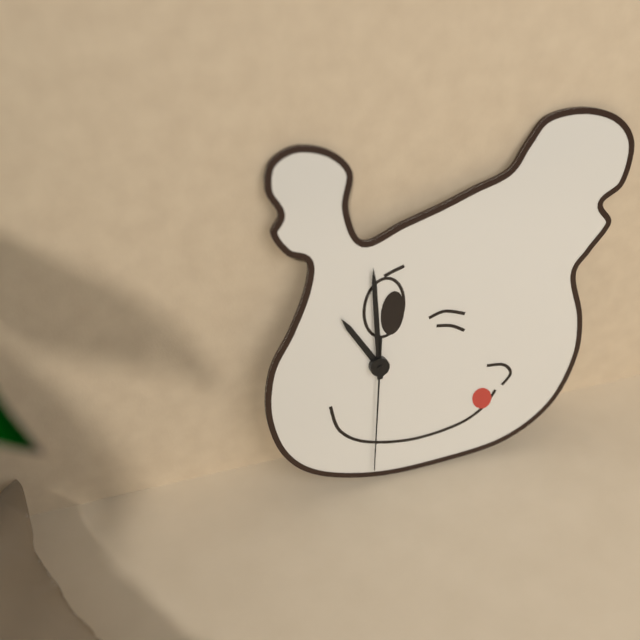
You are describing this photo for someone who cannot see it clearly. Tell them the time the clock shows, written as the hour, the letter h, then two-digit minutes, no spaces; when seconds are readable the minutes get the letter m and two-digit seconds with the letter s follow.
11h00m31s
